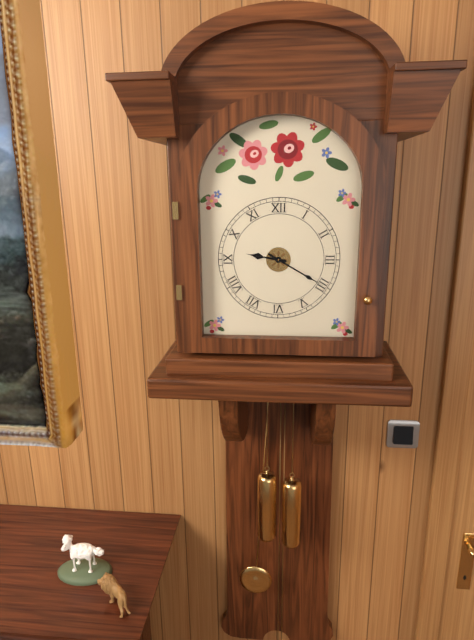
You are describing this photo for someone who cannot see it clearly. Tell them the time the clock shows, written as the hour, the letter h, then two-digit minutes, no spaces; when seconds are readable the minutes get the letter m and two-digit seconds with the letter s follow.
9h20
